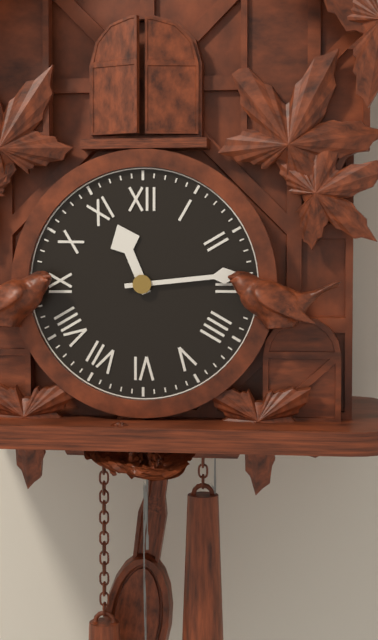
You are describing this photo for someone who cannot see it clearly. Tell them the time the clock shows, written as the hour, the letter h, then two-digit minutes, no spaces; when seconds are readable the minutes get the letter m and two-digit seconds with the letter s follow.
11h14
